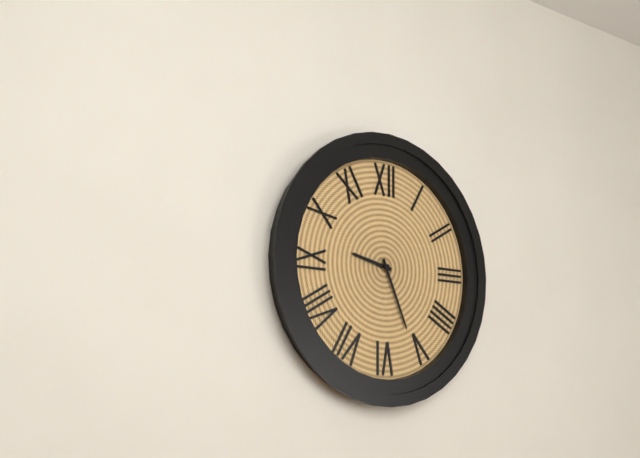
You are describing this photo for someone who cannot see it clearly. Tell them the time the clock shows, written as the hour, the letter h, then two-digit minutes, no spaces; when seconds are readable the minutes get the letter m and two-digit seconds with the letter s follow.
9h26
